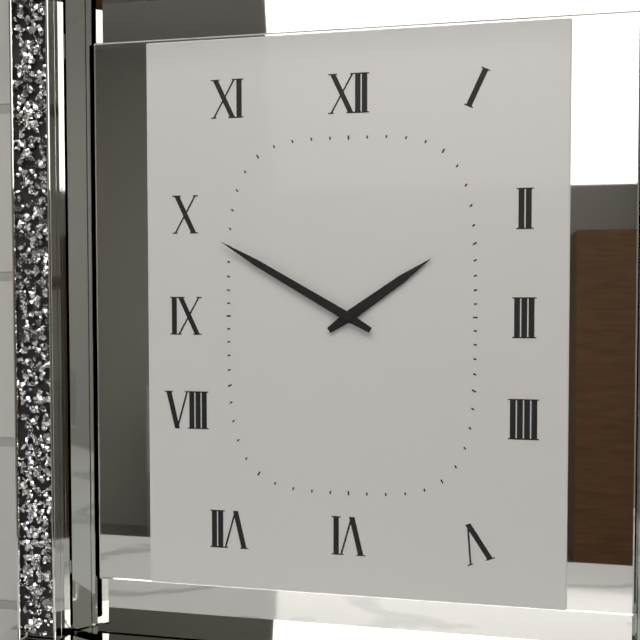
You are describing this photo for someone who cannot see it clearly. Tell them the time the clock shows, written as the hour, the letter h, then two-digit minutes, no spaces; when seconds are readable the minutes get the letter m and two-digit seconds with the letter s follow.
1h50
